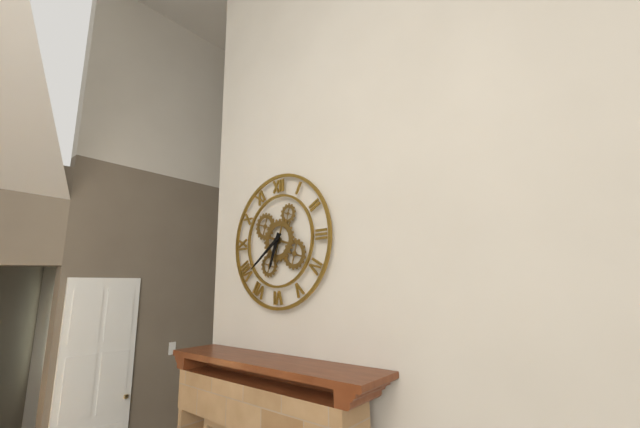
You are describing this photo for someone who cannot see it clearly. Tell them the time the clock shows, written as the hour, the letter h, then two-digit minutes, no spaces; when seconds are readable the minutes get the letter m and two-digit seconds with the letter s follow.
6h39
